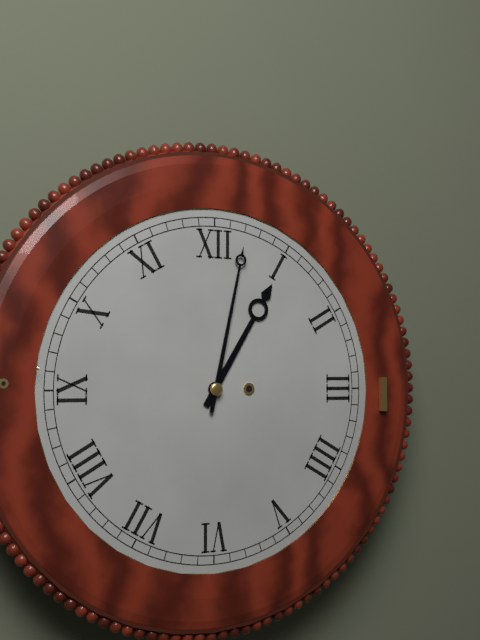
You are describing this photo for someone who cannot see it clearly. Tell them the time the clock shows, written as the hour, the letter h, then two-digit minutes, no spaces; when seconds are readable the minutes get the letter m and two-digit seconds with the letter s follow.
1h02
